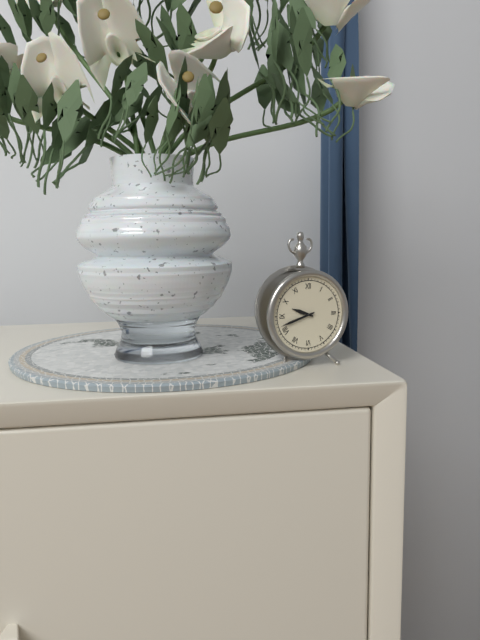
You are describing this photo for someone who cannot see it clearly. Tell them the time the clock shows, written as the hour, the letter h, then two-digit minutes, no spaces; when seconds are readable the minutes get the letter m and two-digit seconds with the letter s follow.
9h42
